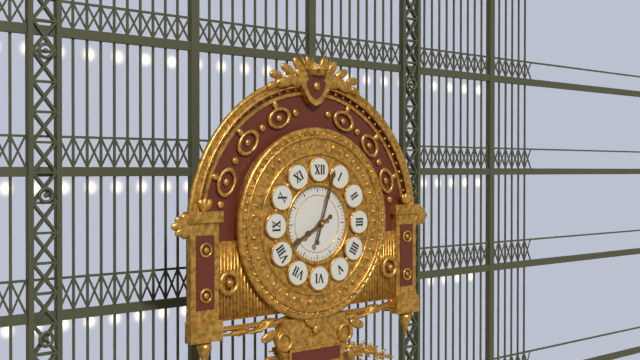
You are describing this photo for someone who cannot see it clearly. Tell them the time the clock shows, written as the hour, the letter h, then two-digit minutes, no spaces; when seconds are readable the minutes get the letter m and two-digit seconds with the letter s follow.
8h03
